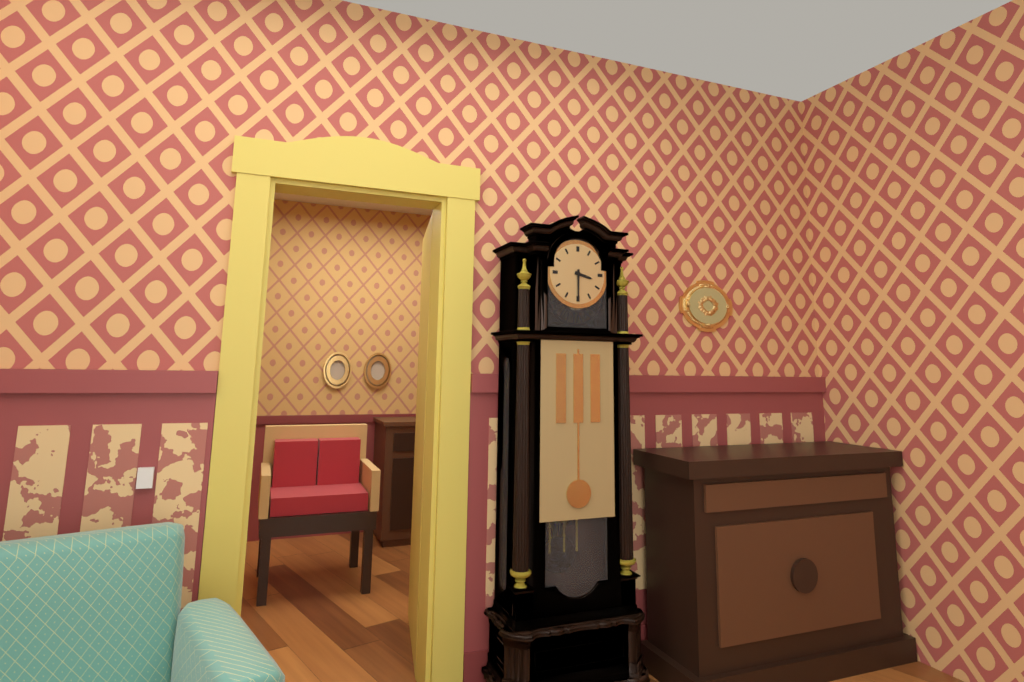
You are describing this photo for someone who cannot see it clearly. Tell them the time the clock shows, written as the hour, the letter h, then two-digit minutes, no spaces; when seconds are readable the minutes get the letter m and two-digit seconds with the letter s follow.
3h30
